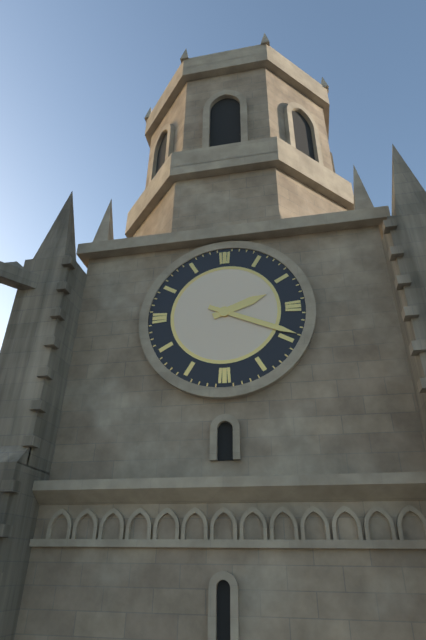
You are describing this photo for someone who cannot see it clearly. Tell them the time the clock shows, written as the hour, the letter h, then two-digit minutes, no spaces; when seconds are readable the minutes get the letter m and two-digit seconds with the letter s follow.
2h19
